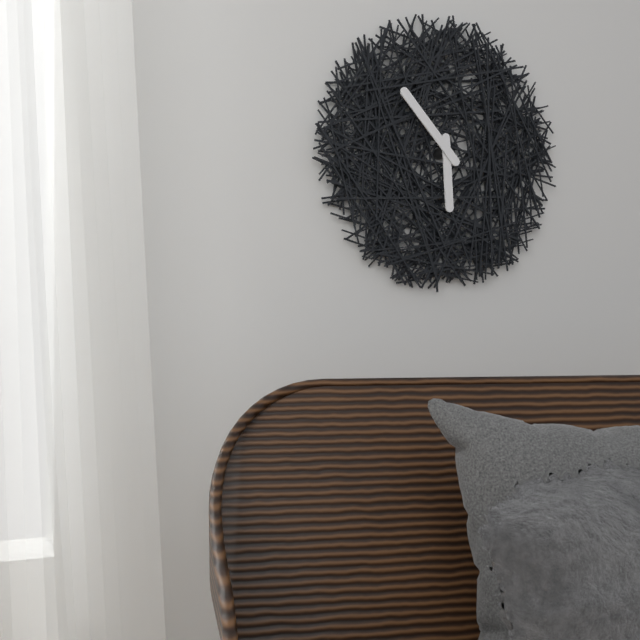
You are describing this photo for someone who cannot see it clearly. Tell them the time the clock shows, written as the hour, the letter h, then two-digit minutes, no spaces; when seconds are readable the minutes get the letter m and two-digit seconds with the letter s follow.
5h53
